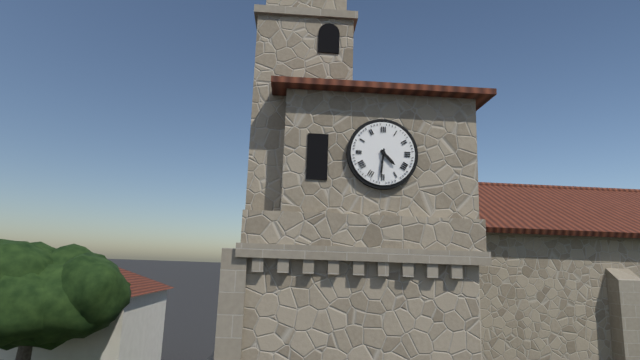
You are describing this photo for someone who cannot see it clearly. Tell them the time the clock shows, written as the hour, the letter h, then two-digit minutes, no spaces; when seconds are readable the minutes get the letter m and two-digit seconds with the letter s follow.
4h31
